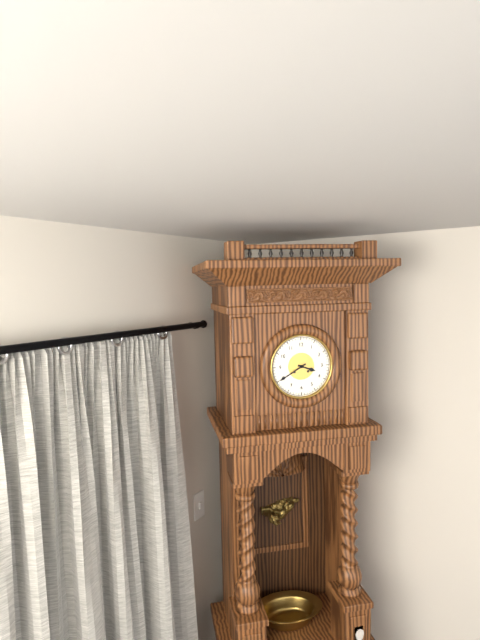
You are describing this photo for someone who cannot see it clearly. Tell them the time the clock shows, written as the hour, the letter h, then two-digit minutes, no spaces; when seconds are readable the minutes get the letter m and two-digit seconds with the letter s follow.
3h40
